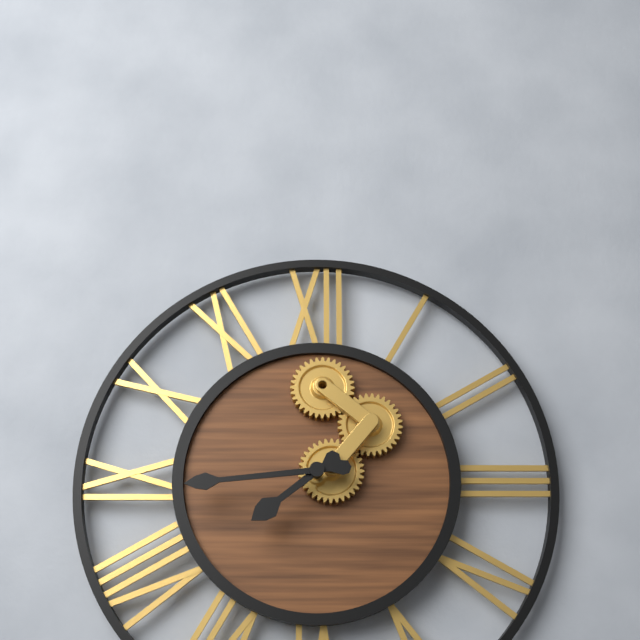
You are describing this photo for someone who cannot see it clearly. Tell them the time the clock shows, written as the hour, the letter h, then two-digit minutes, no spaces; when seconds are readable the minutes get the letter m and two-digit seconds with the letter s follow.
7h44
